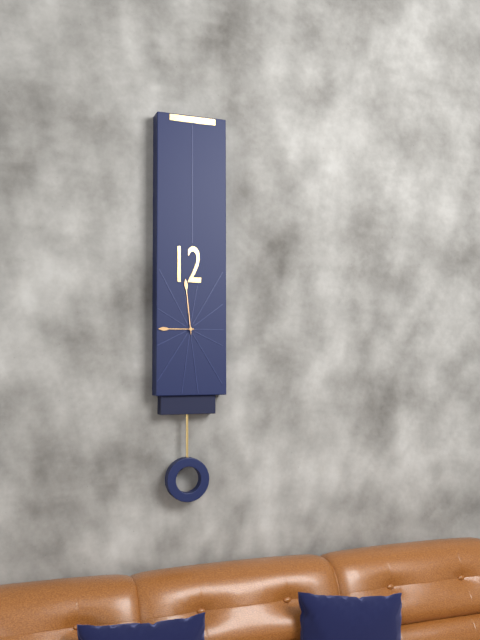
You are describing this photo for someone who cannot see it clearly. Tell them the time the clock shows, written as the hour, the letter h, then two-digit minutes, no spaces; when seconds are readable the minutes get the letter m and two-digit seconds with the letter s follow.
8h59
